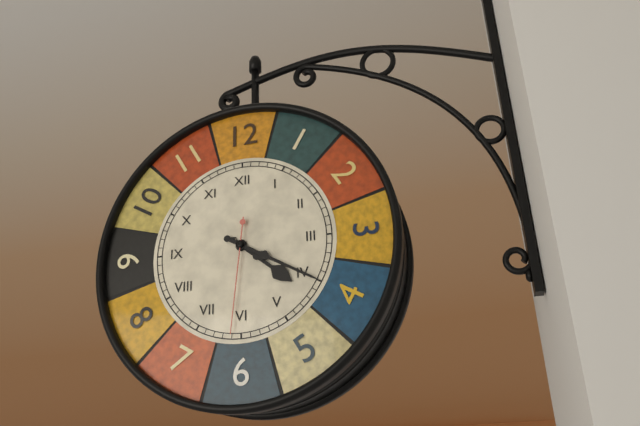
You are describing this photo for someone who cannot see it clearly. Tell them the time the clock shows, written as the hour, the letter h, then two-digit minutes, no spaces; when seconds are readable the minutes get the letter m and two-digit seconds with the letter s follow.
4h20m31s
